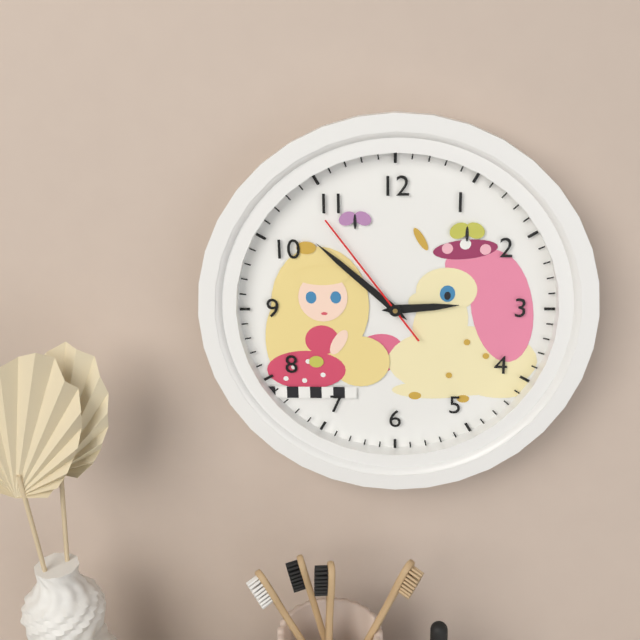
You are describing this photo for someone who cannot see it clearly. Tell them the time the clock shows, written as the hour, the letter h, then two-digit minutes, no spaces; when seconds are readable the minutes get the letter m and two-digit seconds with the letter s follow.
2h52m54s
